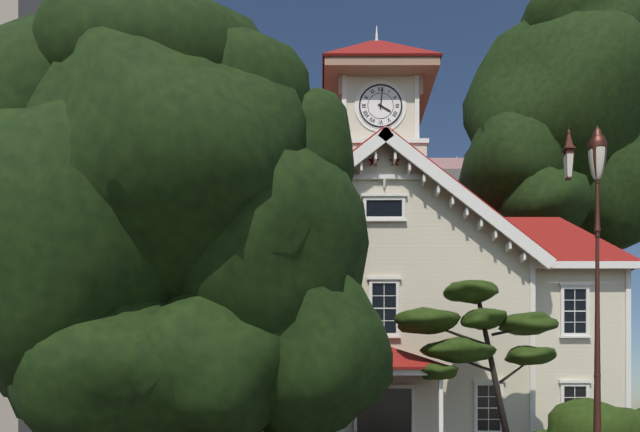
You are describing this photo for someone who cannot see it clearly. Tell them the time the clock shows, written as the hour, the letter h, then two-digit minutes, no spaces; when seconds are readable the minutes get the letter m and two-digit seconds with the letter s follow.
4h01
